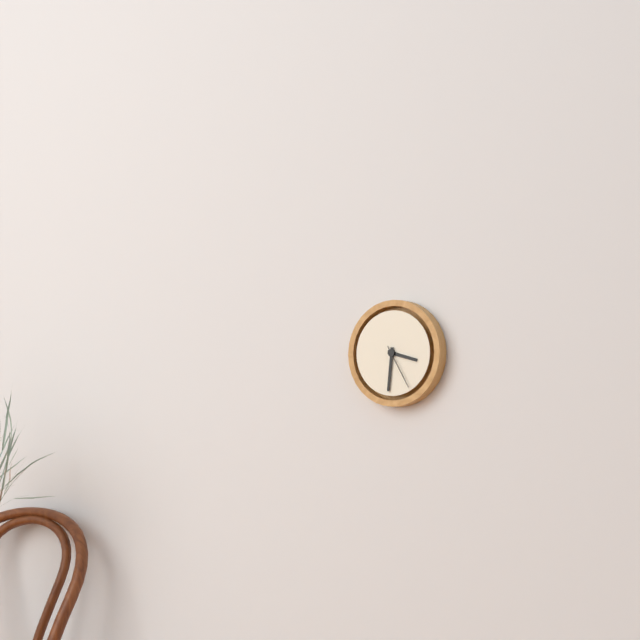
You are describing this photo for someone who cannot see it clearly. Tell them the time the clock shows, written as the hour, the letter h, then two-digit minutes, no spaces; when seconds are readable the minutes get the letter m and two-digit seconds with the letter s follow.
3h31
